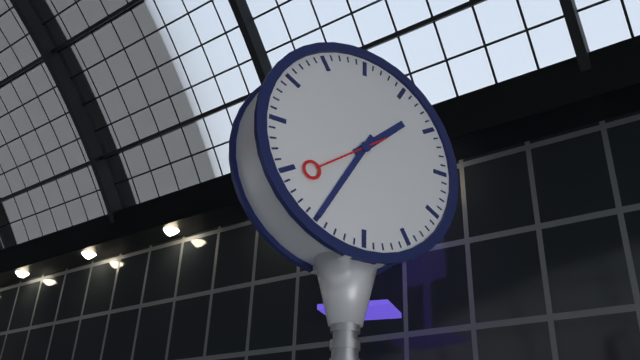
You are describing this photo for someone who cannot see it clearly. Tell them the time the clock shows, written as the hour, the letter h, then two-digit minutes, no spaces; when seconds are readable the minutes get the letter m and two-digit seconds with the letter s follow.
1h35m39s
